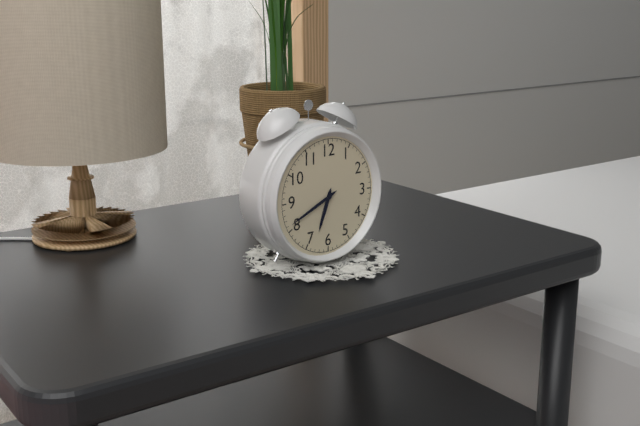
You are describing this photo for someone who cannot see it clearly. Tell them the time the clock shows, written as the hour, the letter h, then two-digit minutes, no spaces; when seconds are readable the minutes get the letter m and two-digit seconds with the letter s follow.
6h41
